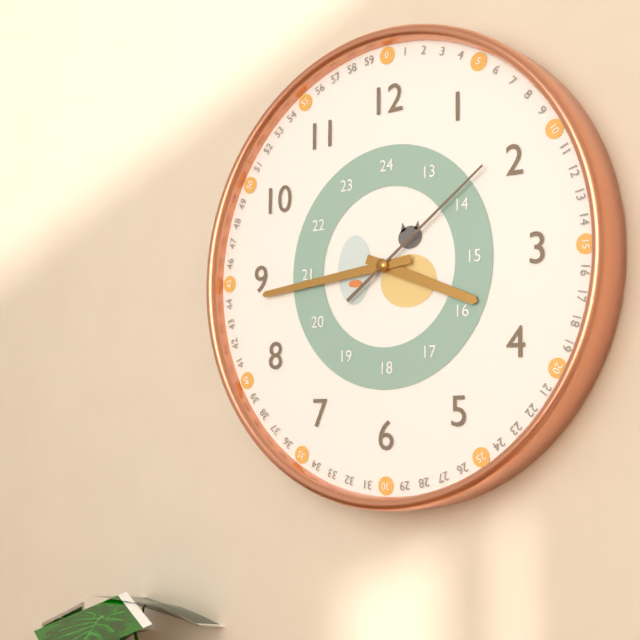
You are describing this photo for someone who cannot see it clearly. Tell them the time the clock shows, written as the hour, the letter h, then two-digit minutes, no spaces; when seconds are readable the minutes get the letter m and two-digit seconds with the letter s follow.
3h44m09s
